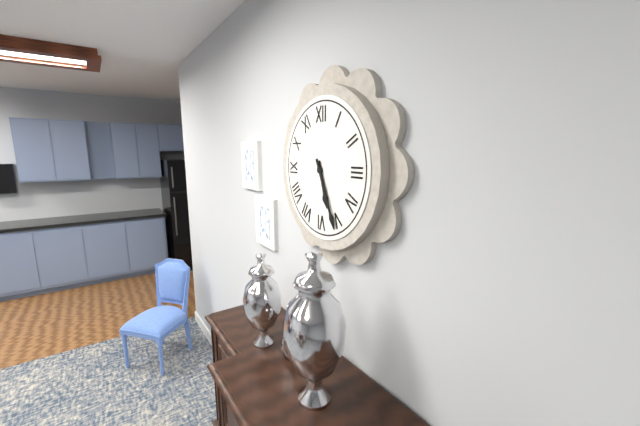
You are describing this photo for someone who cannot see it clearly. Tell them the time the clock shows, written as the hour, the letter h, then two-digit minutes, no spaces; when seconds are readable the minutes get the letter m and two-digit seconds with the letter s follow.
5h26
